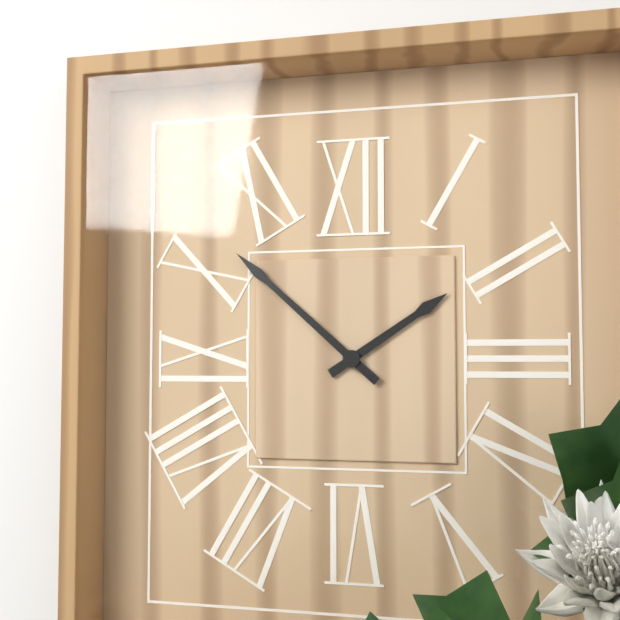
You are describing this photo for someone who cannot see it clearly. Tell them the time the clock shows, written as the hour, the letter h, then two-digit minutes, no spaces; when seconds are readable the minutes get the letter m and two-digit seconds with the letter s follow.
1h52
